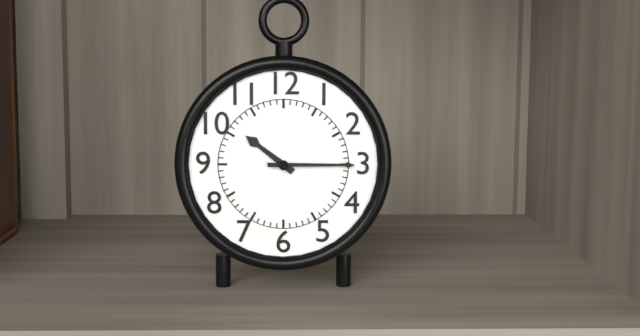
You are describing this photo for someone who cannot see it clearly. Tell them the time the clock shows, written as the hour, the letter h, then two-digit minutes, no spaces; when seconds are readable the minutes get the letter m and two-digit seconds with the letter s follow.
10h15
